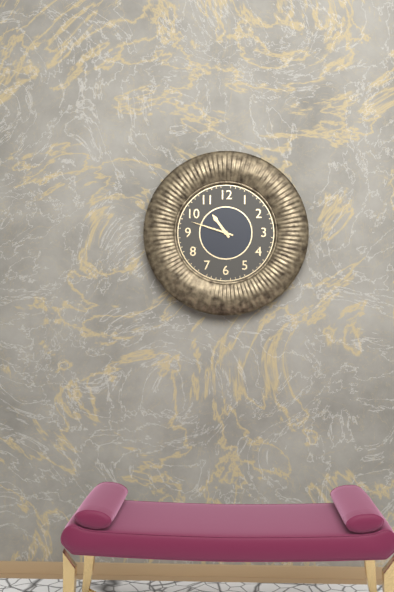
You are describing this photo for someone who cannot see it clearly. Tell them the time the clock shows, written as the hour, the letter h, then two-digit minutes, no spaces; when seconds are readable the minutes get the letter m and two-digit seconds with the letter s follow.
10h48
